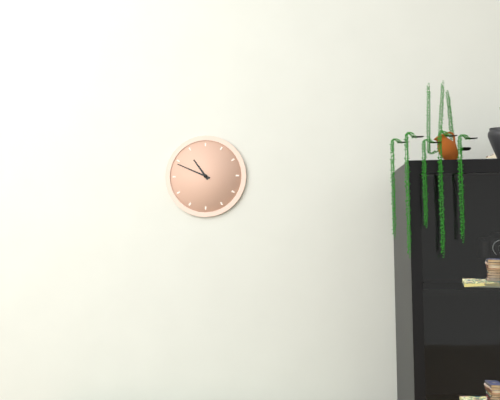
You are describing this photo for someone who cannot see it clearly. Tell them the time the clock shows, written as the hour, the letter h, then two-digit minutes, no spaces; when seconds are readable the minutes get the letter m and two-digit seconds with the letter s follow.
10h49
